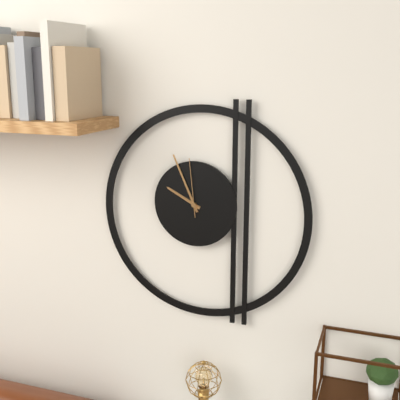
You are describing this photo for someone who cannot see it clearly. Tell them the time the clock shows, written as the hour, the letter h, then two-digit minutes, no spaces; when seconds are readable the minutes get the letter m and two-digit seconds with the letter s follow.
9h56m59s
